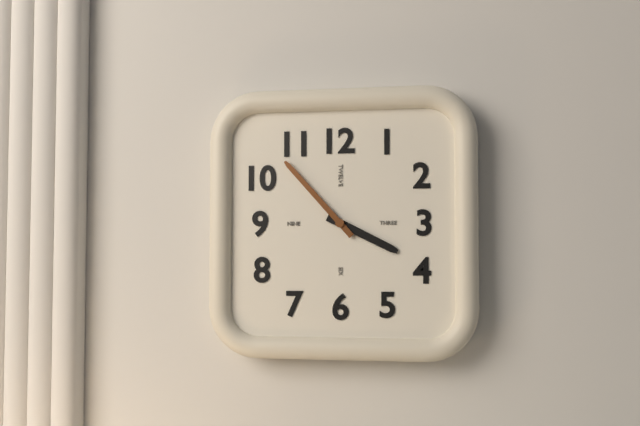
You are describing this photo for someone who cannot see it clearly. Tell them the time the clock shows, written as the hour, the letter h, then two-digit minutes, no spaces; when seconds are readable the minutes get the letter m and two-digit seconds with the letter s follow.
3h53
